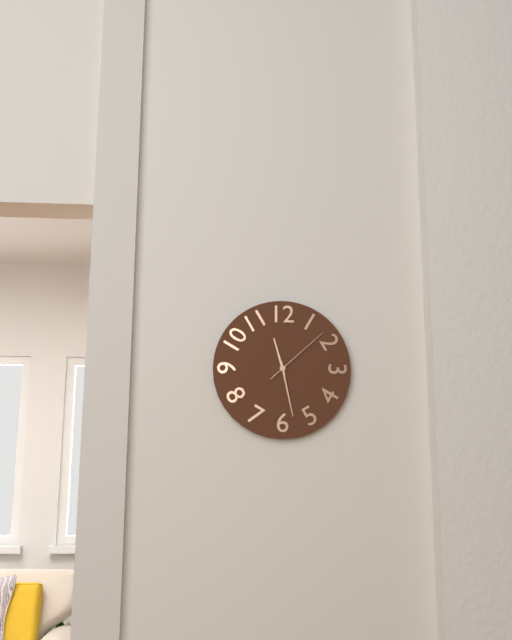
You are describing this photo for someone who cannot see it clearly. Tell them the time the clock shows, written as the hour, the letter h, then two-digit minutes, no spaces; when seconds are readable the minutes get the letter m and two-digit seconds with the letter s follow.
11h28m08s
